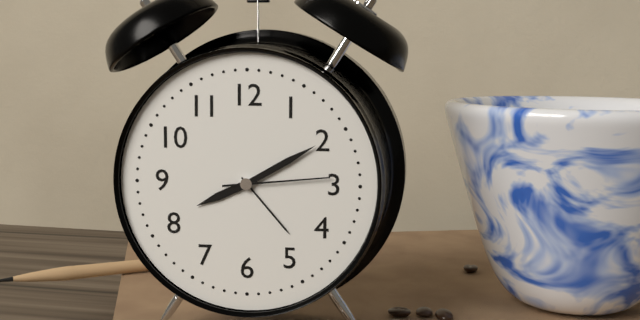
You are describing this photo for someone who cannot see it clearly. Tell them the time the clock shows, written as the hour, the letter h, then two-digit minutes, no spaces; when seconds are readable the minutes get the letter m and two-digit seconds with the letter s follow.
8h10m14s
